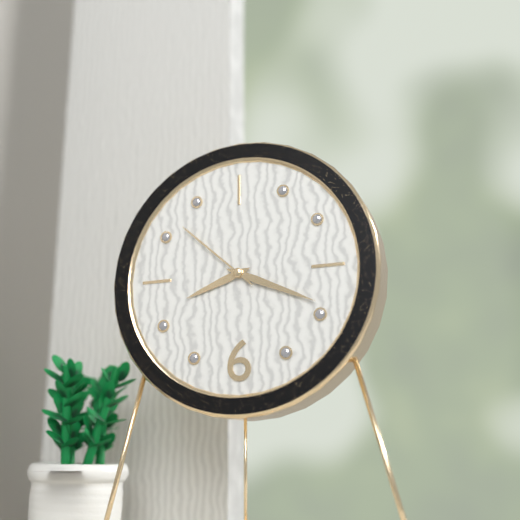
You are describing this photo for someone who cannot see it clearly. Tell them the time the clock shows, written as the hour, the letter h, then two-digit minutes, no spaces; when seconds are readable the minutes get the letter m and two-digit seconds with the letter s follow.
8h19m52s
